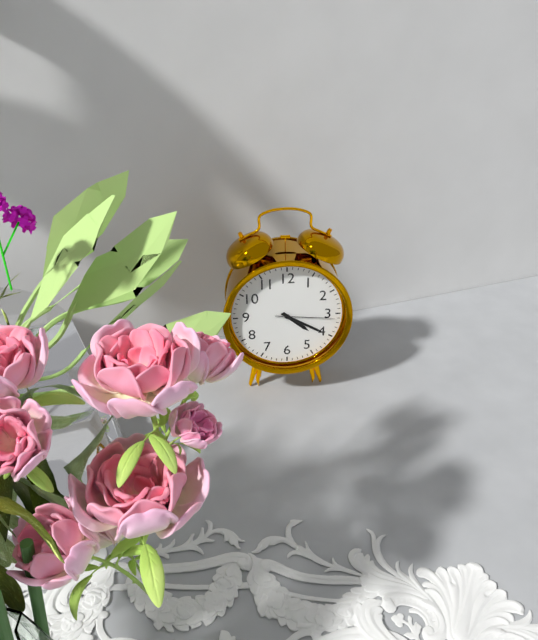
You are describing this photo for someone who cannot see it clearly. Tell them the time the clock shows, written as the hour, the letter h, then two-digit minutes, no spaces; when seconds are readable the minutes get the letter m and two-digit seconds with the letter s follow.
4h20m16s
